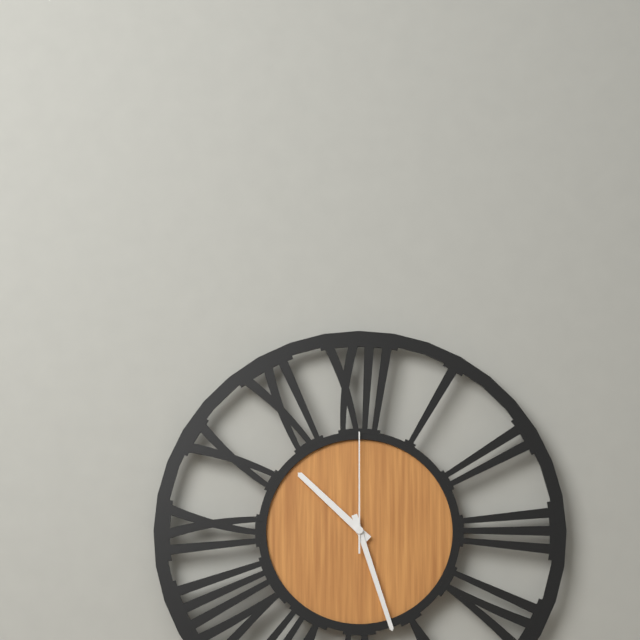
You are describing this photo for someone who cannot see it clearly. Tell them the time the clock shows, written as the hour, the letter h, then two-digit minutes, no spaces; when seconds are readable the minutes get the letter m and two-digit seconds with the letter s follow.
10h27m00s
